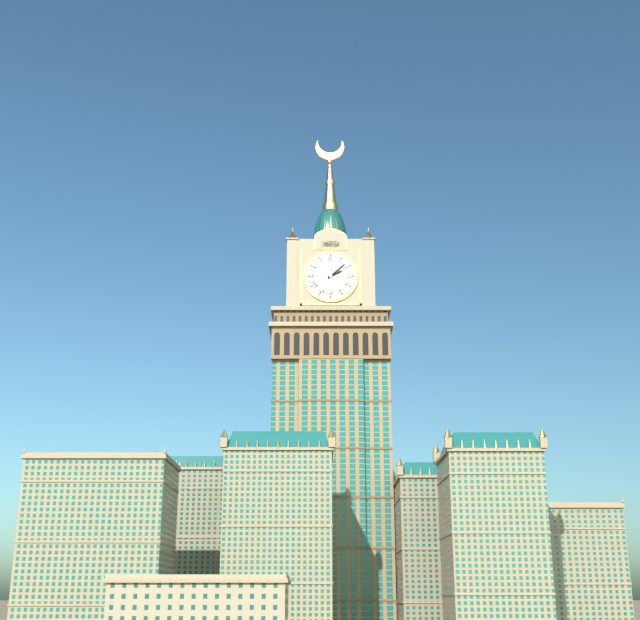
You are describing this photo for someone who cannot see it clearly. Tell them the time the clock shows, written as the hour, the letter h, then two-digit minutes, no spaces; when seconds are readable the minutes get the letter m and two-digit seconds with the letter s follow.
2h08
